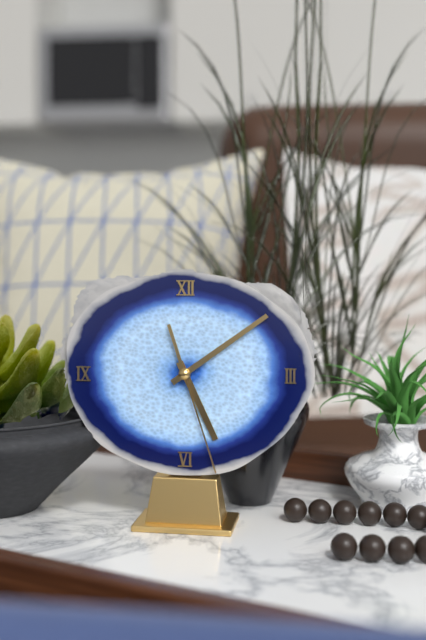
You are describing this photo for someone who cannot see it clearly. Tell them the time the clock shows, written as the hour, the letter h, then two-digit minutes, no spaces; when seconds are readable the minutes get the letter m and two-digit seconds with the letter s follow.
5h09m27s
